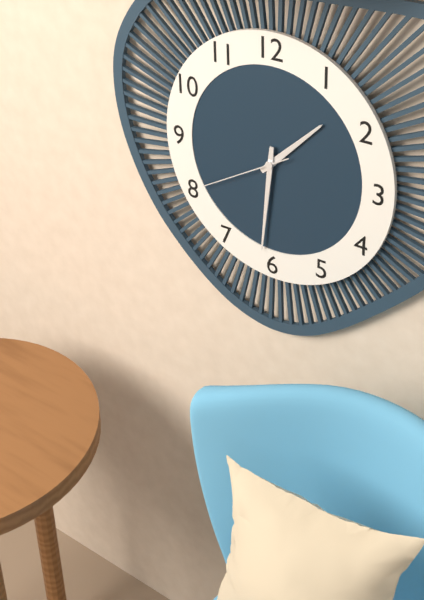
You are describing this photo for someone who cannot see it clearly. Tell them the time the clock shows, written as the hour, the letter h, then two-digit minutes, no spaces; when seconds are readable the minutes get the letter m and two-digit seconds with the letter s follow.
1h31m40s
